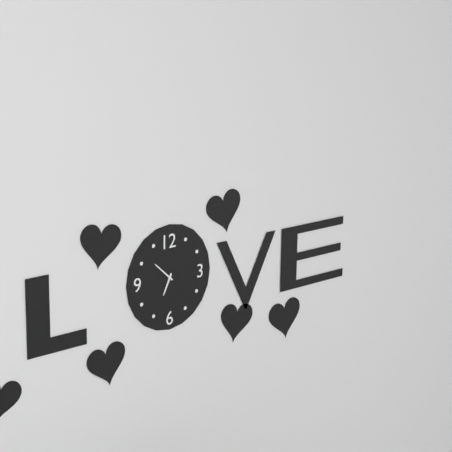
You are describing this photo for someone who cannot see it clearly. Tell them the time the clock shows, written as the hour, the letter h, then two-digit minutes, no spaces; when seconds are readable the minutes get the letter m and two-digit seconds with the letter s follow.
6h52
